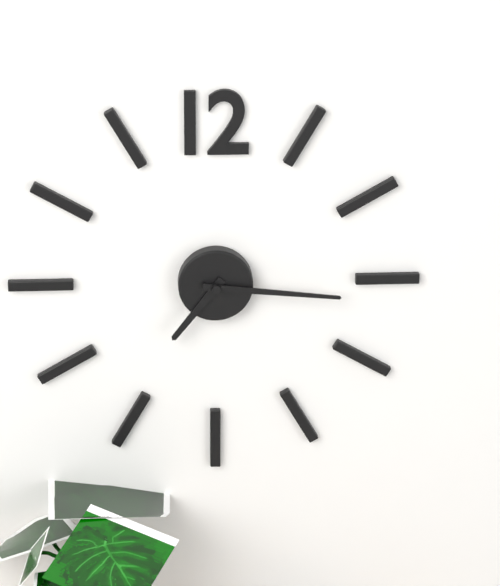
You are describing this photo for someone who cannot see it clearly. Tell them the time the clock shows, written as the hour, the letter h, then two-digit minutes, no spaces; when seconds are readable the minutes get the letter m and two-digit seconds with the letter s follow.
7h16
